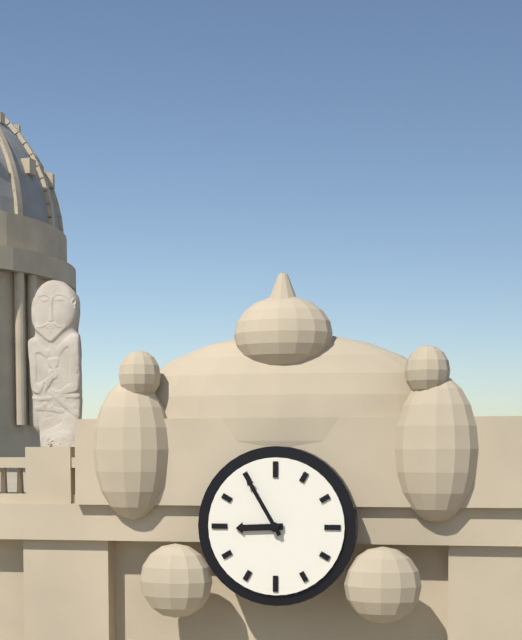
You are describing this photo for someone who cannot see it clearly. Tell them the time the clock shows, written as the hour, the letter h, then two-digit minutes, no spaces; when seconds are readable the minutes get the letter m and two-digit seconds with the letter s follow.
8h55
